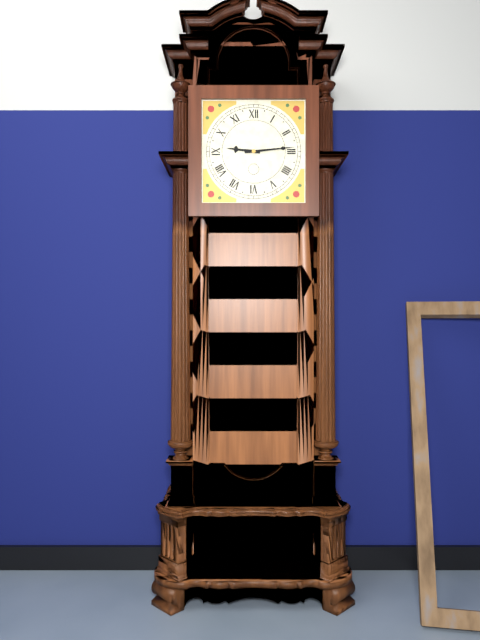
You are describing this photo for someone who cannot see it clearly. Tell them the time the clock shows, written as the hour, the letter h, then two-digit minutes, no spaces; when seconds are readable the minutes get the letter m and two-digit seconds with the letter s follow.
9h14
